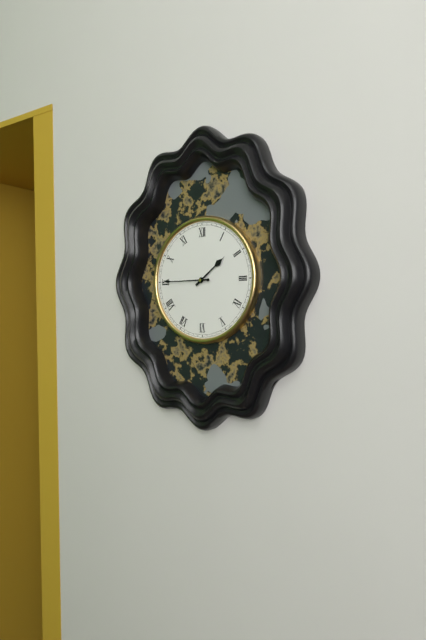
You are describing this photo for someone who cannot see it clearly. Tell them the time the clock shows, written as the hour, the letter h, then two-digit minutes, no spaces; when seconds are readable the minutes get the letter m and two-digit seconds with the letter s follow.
1h45
